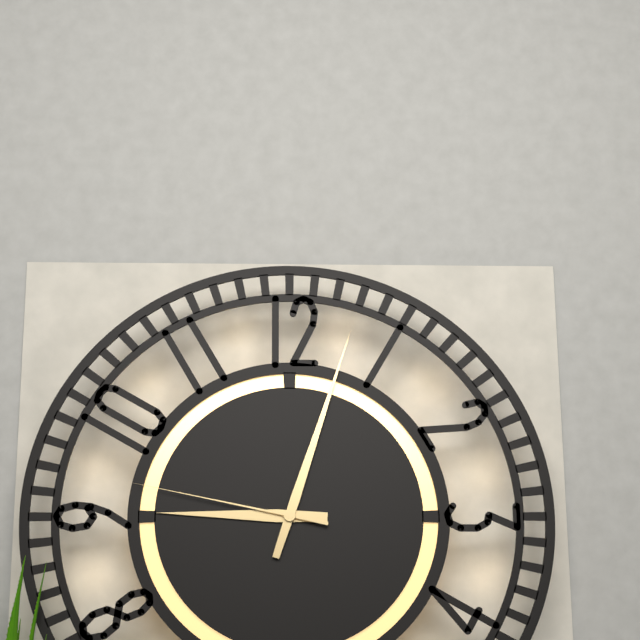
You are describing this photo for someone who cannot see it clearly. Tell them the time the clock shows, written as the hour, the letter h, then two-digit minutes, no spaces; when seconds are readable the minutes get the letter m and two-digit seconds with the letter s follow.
9h03m47s
